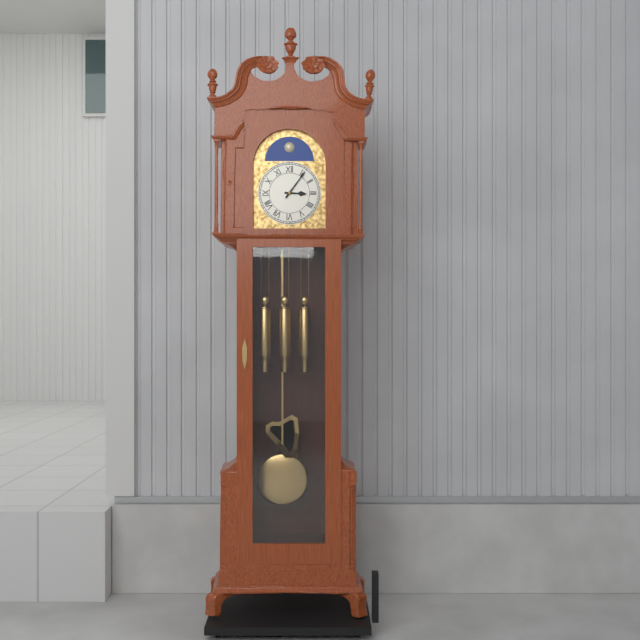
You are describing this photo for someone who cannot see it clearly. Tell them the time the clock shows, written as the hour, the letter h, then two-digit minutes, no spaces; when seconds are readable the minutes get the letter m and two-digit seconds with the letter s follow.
3h06
